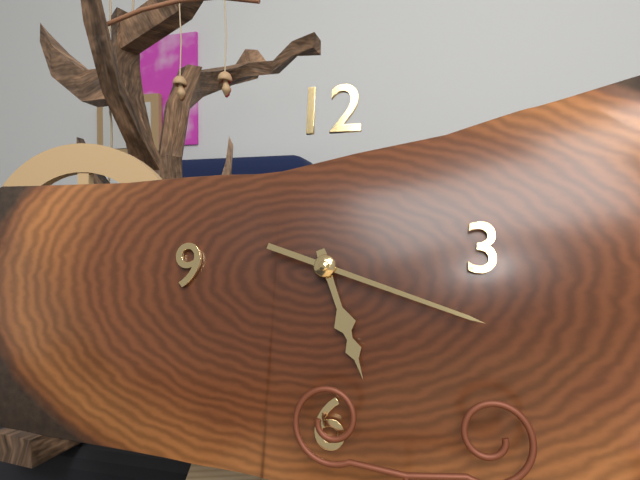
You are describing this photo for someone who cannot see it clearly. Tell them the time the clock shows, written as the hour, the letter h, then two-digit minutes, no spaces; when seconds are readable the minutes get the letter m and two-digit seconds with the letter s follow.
5h18
